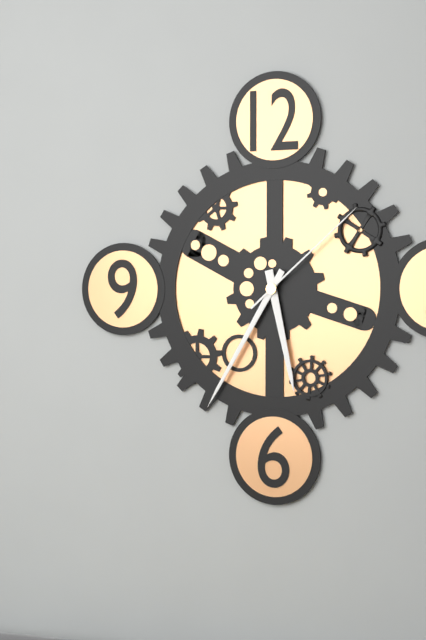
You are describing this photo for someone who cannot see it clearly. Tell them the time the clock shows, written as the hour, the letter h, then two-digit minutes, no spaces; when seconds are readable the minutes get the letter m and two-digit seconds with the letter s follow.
5h35m08s
